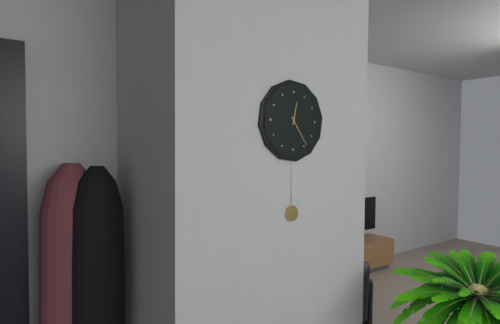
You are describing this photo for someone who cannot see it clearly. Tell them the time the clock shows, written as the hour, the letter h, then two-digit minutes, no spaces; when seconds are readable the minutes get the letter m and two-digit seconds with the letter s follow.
12h24
